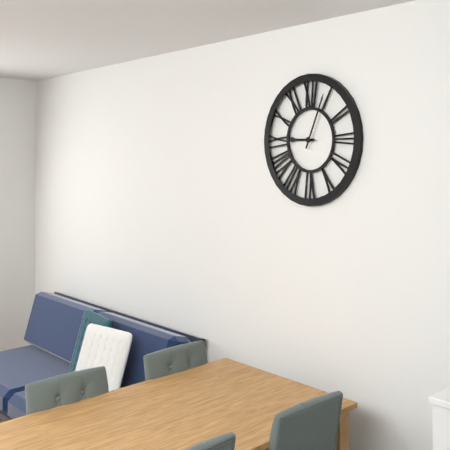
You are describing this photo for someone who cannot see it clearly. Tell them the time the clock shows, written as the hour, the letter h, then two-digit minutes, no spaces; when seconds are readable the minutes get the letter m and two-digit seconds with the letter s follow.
9h04
